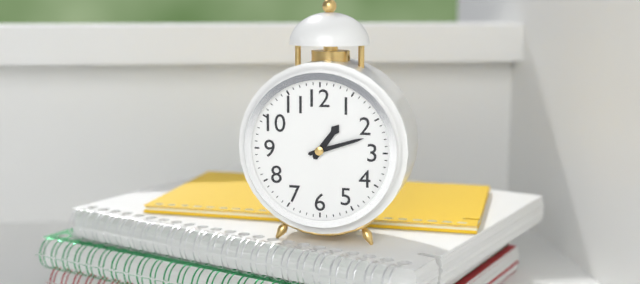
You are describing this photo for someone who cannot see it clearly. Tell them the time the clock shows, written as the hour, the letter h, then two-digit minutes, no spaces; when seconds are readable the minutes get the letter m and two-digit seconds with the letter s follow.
1h12
